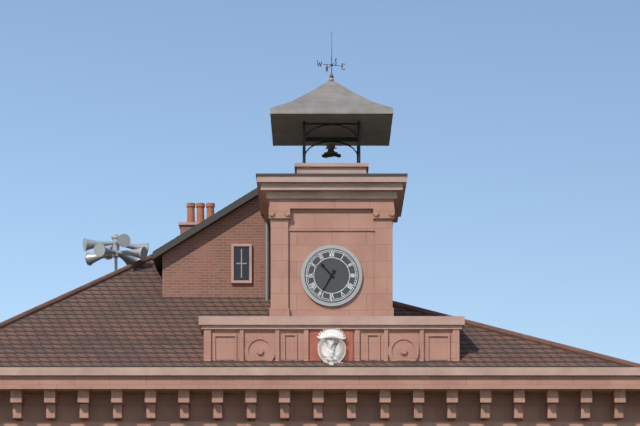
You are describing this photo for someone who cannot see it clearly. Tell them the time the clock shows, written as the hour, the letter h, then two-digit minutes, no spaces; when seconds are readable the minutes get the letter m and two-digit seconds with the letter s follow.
10h35
